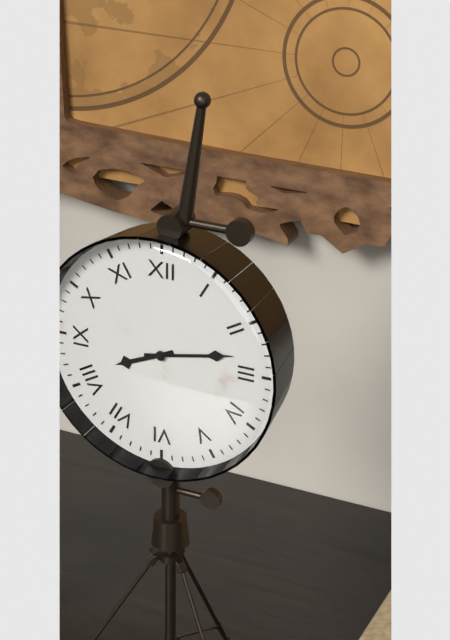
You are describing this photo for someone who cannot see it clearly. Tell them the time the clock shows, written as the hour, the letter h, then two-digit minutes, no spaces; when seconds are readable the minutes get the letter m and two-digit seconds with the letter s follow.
8h13
